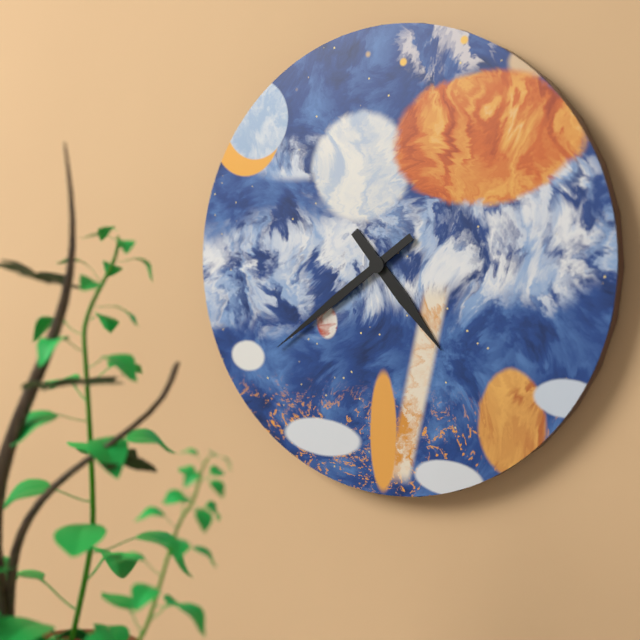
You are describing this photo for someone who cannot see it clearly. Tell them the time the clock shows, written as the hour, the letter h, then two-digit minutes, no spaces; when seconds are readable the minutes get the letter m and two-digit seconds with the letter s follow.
4h39
